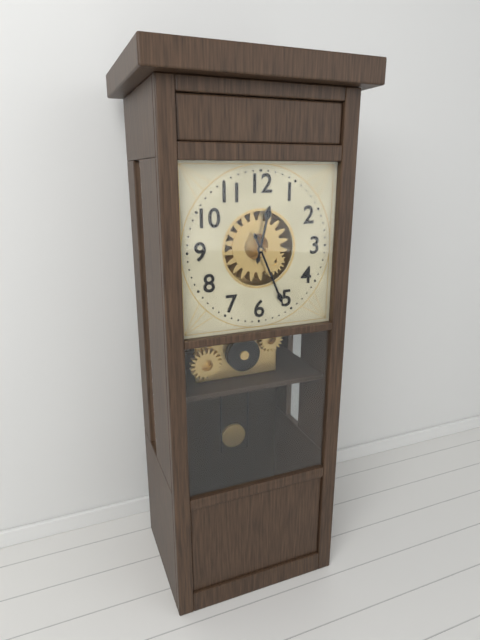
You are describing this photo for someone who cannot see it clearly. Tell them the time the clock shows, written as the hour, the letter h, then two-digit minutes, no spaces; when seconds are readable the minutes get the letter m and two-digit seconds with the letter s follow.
12h26
